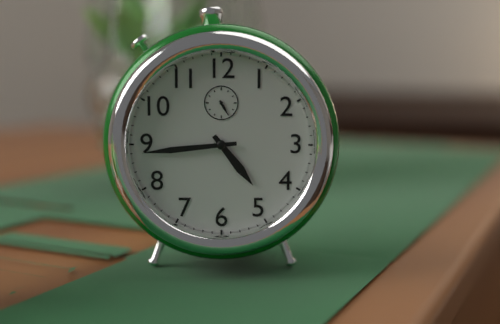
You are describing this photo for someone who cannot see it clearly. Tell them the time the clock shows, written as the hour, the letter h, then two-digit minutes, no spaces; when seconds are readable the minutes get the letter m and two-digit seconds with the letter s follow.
4h44
